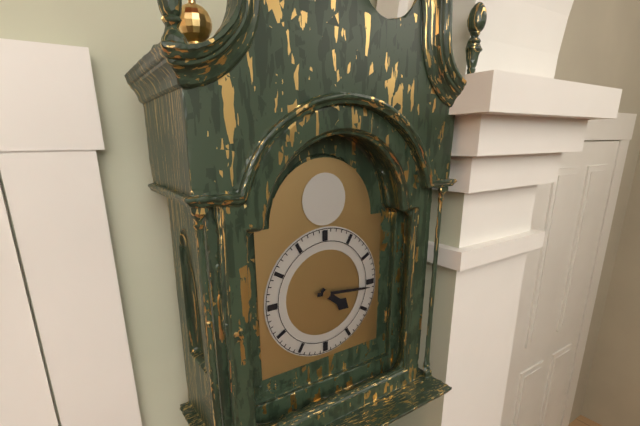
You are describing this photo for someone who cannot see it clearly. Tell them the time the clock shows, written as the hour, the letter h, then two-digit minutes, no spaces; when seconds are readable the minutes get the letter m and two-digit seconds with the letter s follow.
4h16
